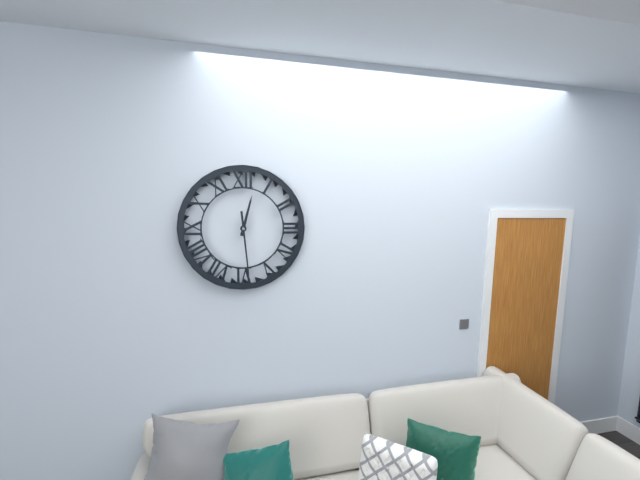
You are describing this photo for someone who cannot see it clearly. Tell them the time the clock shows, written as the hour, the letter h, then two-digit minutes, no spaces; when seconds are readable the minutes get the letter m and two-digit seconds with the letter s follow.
12h29
